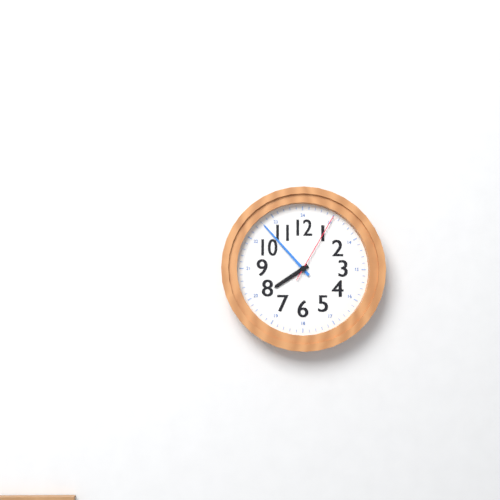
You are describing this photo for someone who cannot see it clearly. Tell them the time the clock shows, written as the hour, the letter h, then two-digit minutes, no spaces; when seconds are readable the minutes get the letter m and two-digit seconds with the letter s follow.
7h53m05s
